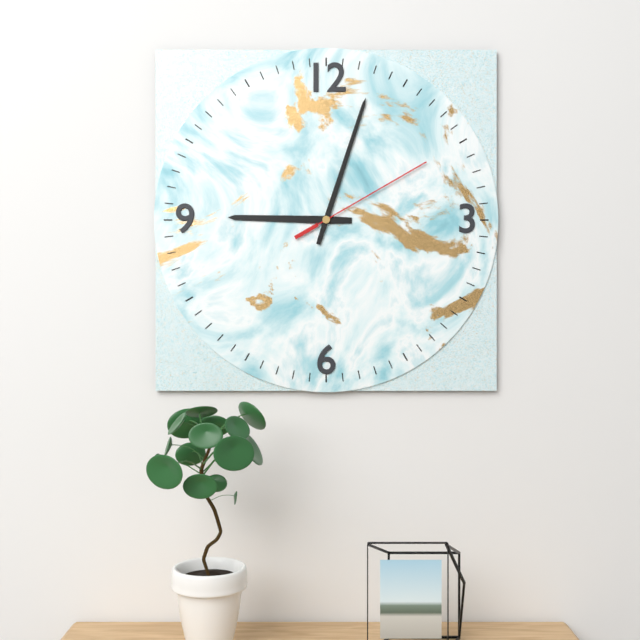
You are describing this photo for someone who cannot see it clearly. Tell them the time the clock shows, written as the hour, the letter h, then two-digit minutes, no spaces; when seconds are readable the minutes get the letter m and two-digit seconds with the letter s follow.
9h03m10s
